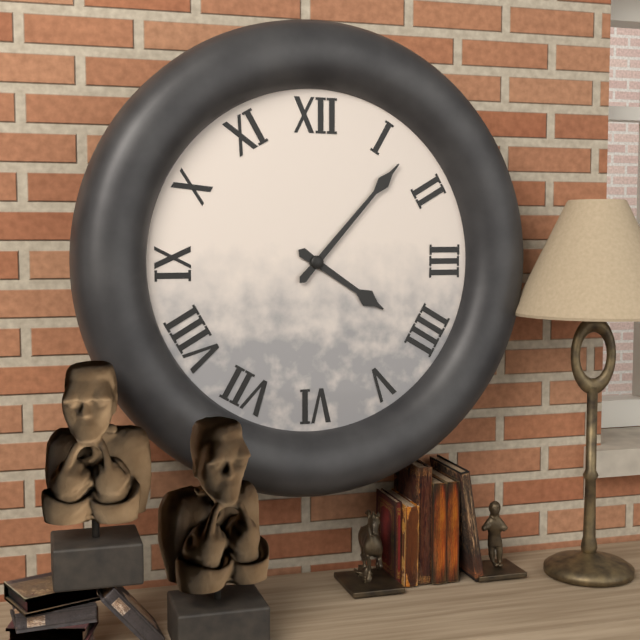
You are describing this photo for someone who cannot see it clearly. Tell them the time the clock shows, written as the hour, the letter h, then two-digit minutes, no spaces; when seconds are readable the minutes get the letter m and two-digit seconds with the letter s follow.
4h07
